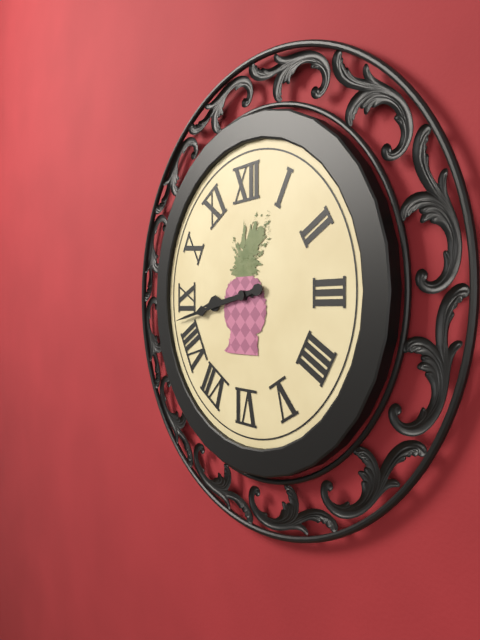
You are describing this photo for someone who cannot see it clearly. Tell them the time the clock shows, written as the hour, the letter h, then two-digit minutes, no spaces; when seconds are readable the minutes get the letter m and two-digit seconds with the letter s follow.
8h43
